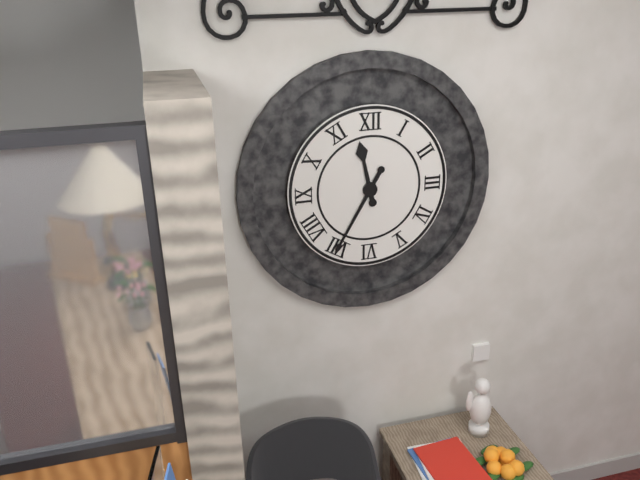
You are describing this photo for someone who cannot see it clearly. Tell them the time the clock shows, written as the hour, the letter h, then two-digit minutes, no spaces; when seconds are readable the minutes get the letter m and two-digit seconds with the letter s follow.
11h35
